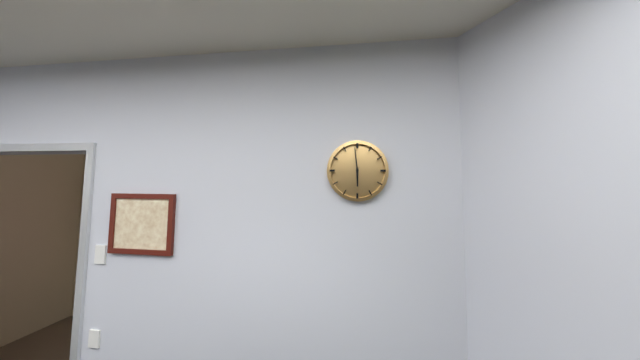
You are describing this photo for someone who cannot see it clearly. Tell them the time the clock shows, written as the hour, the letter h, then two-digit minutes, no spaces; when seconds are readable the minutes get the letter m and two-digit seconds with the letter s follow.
5h59
